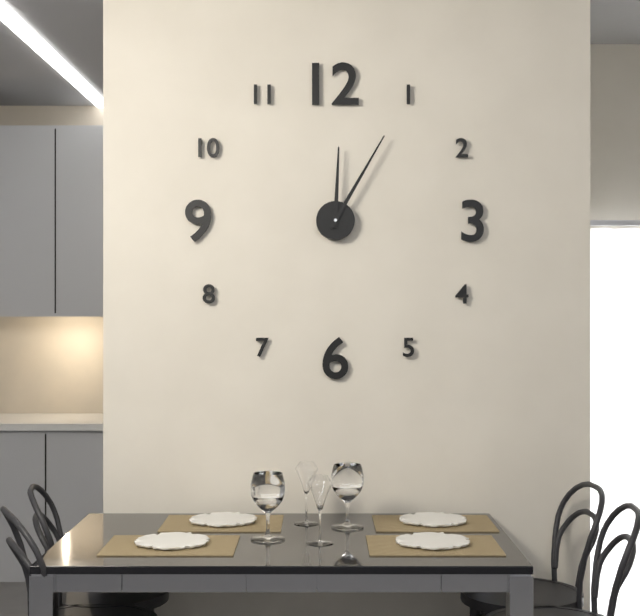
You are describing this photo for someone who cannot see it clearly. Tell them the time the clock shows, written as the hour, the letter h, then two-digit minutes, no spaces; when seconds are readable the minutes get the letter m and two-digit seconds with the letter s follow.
12h05
